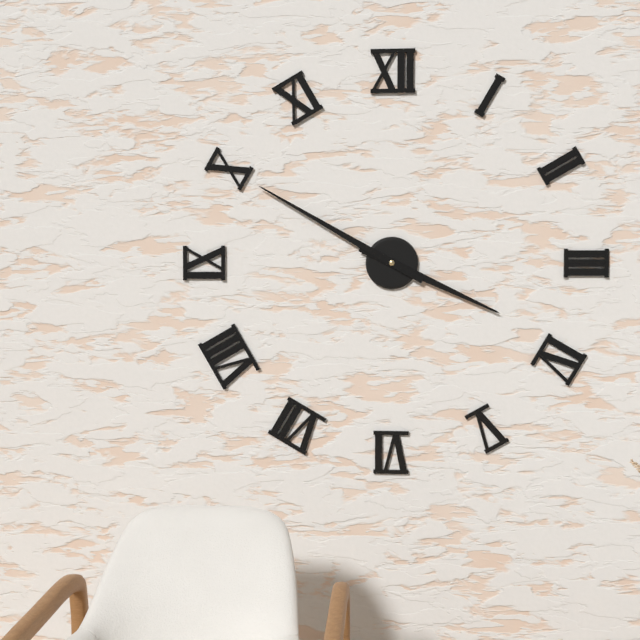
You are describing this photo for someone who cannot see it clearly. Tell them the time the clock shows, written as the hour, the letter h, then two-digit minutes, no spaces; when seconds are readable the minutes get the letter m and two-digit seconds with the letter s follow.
3h50
